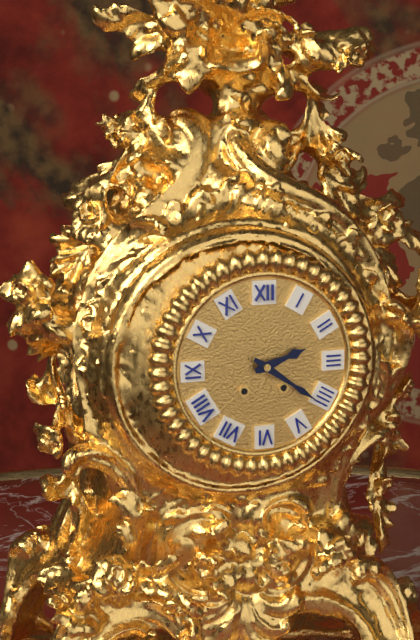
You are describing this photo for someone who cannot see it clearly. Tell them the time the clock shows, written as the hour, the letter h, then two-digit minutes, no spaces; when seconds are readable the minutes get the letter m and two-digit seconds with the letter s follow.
2h21
